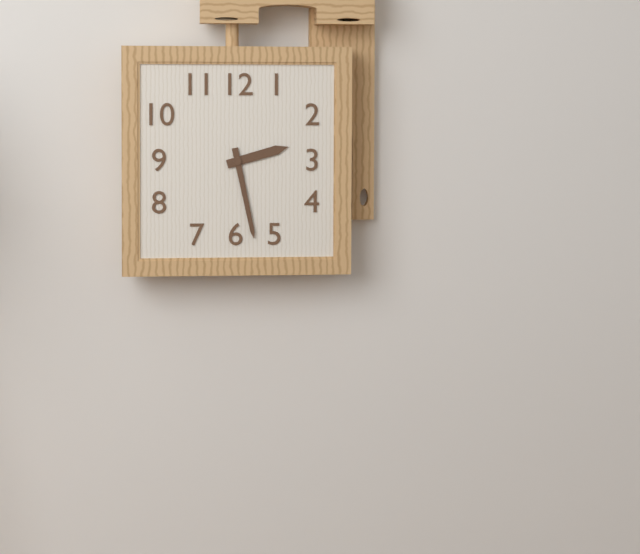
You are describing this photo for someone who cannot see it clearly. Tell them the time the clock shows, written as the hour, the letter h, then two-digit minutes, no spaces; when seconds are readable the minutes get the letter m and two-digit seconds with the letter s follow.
2h28
